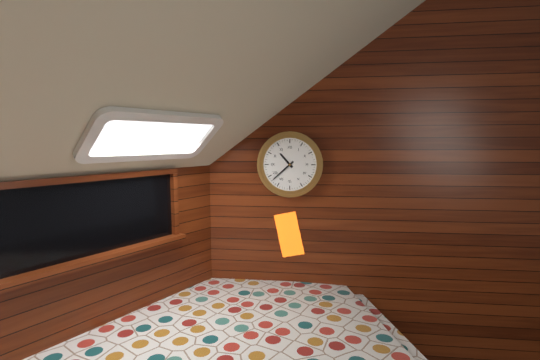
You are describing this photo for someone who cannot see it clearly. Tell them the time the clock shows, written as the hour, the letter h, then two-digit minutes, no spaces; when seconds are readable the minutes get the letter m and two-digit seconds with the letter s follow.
10h38
